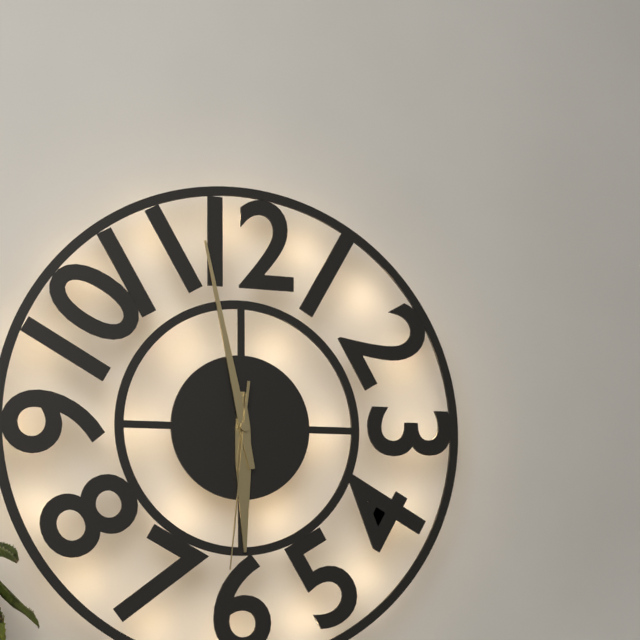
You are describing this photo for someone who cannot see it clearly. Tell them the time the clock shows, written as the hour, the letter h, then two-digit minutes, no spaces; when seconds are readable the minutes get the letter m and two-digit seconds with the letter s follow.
5h58m31s
